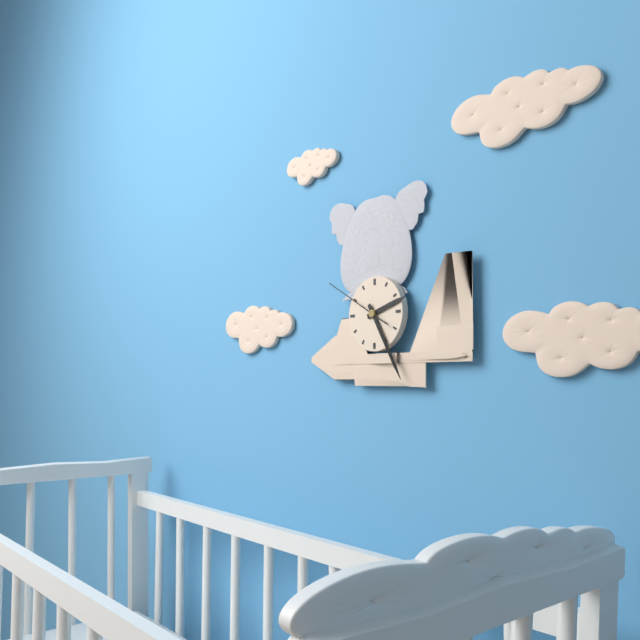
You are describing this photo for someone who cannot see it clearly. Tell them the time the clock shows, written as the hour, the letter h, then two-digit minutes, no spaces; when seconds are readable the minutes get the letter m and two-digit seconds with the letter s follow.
2h25m50s
